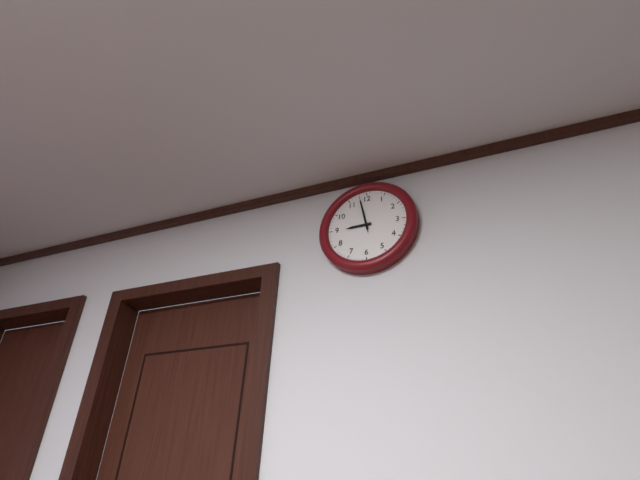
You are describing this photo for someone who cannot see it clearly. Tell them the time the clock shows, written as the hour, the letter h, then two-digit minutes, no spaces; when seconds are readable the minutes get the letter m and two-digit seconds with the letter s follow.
8h58
